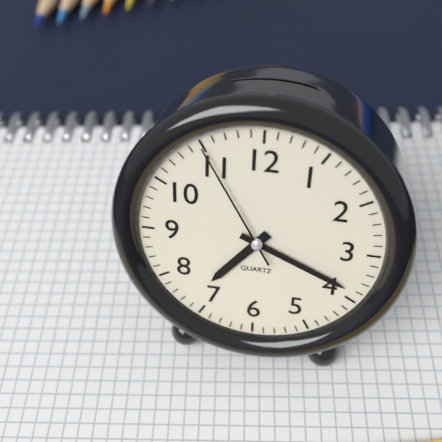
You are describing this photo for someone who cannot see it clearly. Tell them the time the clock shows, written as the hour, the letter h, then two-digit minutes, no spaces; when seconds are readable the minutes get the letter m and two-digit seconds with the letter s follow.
7h19m55s
